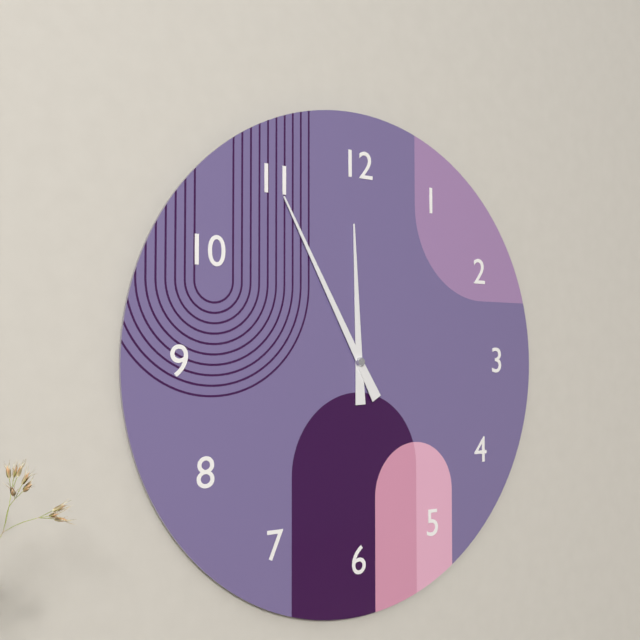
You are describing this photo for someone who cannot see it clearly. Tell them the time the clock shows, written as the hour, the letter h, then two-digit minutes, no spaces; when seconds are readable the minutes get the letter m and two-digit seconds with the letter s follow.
11h55
